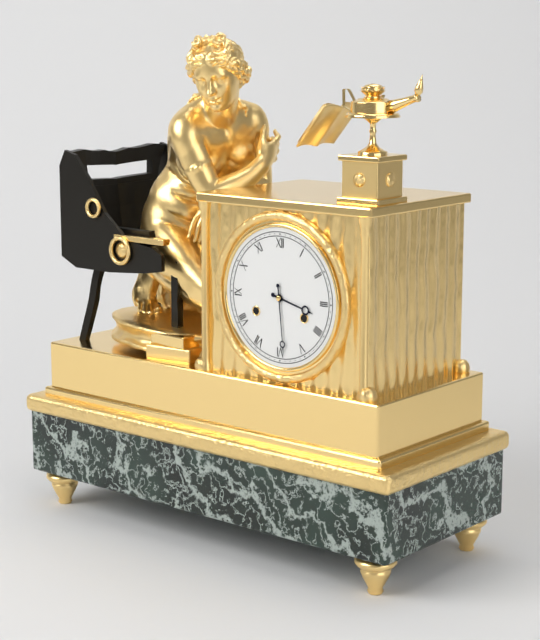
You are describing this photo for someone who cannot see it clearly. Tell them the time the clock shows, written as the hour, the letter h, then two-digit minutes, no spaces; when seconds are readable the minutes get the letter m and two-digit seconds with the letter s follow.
3h29
